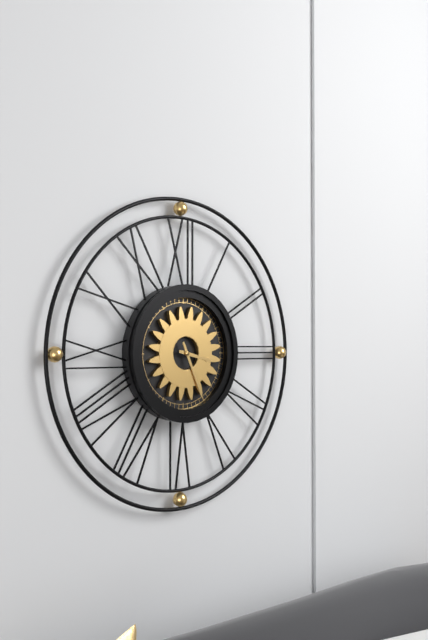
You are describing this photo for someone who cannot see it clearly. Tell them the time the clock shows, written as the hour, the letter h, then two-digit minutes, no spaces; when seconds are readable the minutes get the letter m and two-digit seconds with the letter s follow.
3h26
